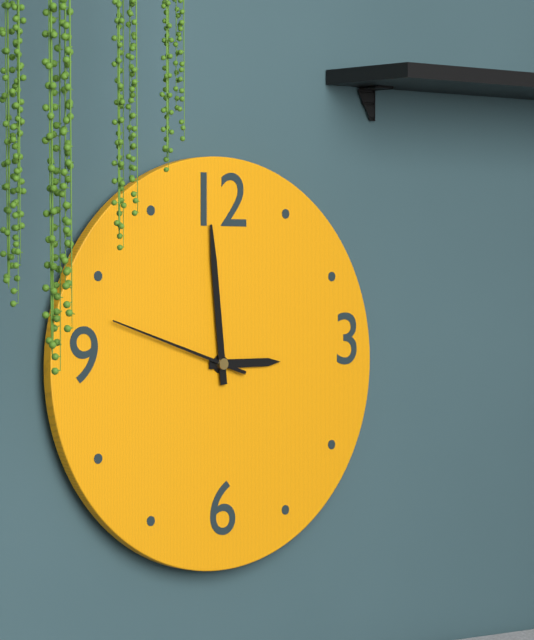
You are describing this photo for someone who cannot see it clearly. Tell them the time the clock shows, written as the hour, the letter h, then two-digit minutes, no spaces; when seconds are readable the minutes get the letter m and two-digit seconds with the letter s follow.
2h59m48s
